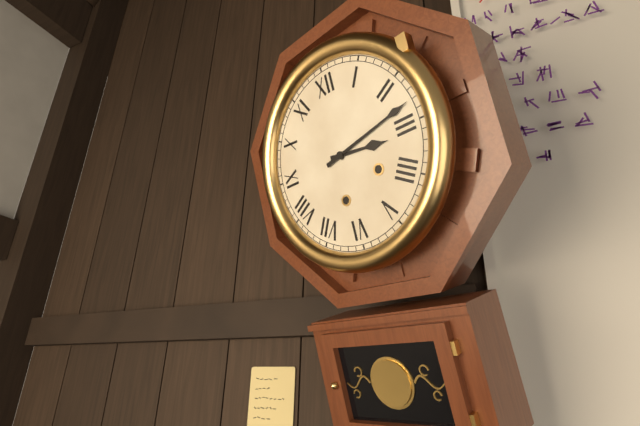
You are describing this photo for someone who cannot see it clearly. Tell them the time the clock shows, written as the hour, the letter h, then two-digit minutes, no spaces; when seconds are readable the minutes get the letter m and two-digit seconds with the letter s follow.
3h13
